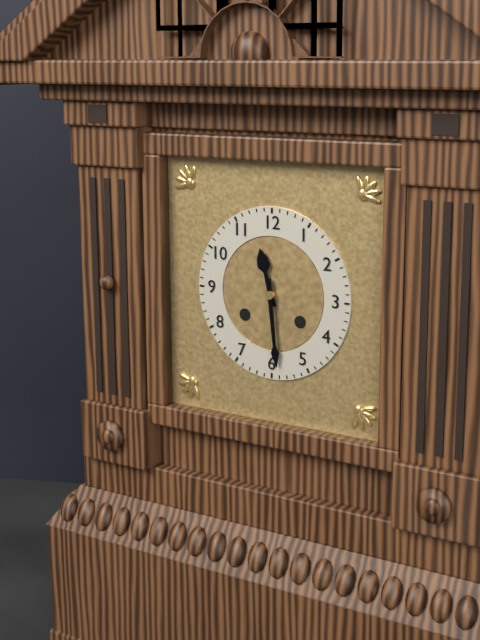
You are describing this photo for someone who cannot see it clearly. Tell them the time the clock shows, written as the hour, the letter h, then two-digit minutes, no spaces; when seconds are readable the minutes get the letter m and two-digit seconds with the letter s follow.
11h29
